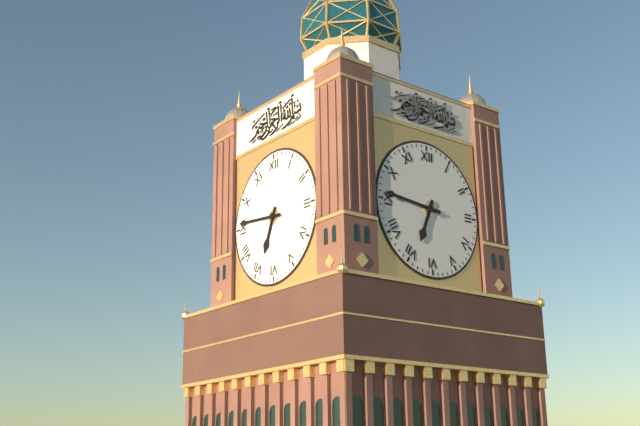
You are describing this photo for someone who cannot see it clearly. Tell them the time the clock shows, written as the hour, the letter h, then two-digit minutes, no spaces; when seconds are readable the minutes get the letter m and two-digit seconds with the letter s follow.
6h46
